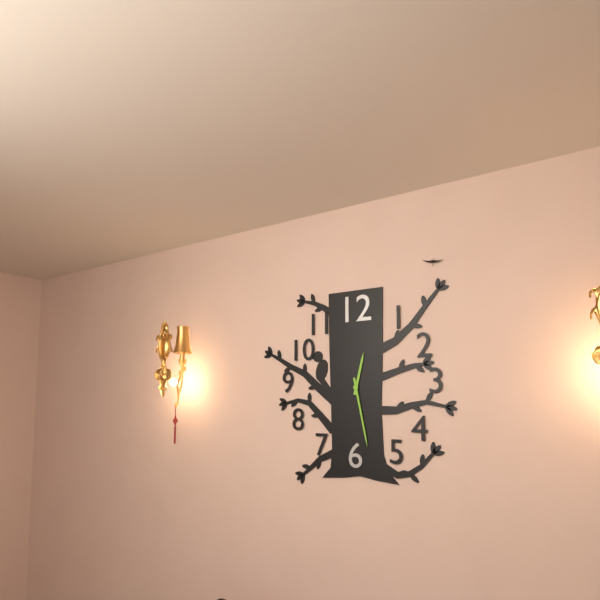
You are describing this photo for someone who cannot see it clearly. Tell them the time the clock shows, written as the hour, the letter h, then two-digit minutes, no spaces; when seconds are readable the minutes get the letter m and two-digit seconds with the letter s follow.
12h28
